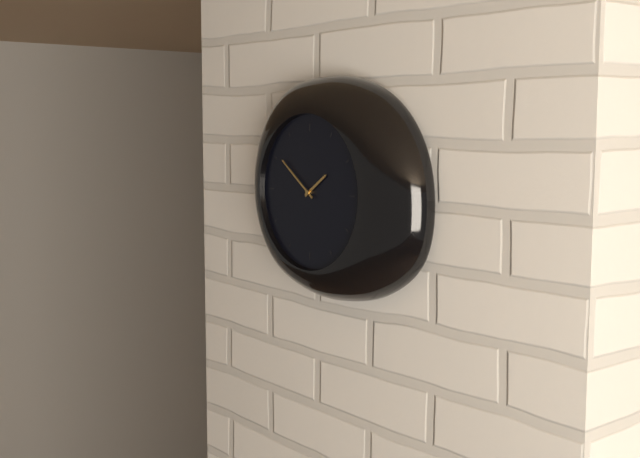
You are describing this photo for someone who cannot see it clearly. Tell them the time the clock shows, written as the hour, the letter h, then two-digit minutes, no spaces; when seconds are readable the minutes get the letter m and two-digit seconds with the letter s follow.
1h51
